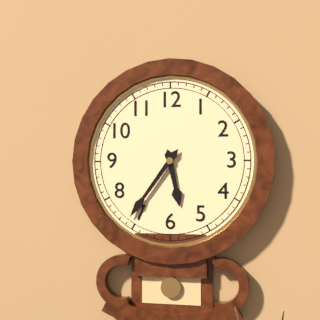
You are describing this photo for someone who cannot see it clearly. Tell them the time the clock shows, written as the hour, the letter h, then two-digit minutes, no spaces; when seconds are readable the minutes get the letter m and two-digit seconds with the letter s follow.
5h36
